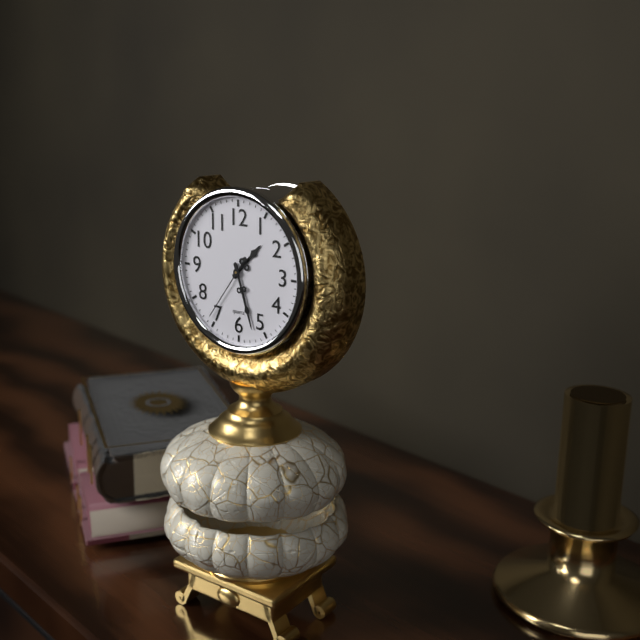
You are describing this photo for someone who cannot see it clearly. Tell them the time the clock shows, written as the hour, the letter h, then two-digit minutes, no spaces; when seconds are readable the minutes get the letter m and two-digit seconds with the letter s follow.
1h27m36s
